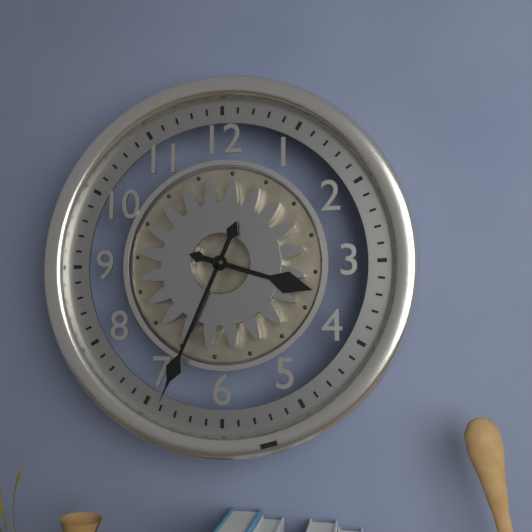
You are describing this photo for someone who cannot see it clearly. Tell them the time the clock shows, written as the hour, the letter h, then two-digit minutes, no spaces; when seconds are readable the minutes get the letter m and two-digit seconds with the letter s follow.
3h34
